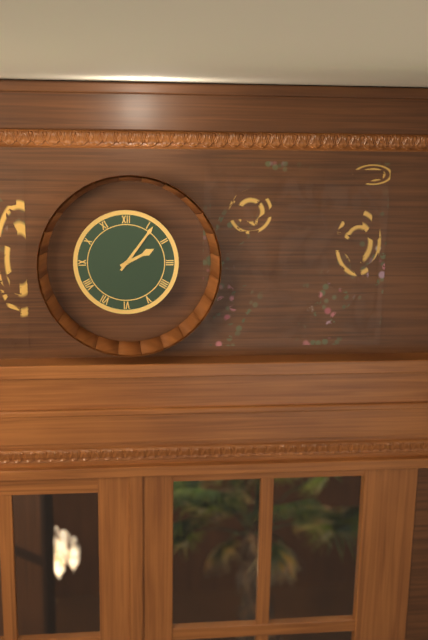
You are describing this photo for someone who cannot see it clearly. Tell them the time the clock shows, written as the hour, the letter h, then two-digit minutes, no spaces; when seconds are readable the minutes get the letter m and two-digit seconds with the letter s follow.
2h06
